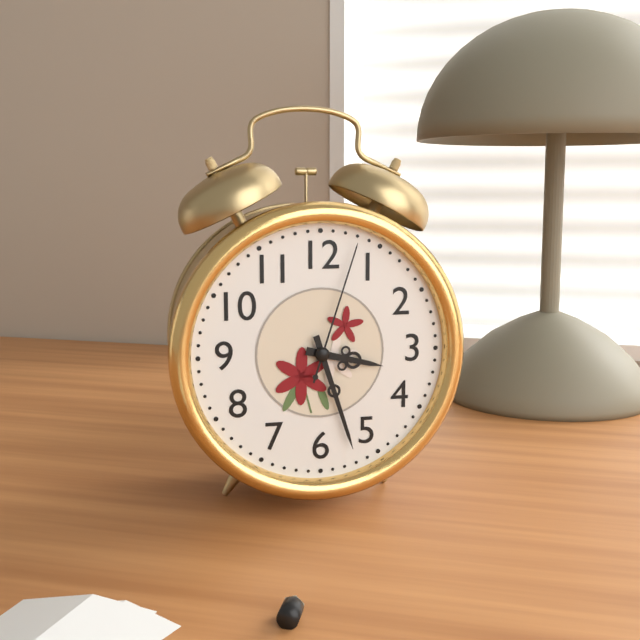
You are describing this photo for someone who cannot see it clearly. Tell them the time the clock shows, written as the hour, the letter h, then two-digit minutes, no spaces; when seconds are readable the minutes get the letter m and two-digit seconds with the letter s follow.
3h27m03s
